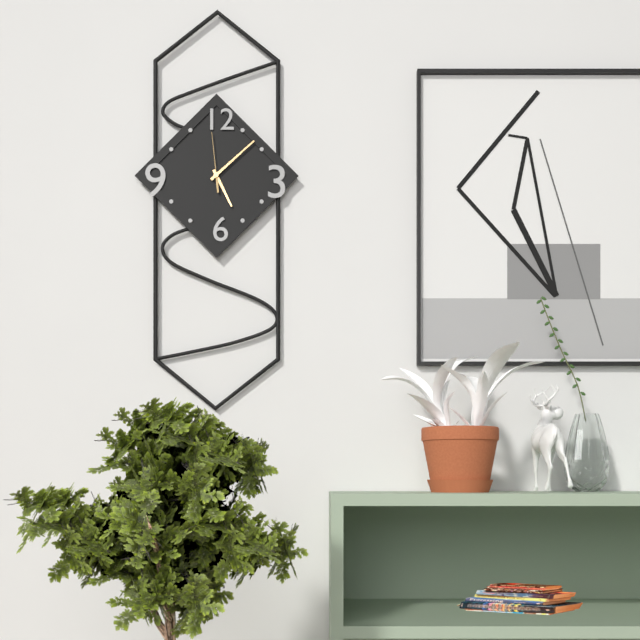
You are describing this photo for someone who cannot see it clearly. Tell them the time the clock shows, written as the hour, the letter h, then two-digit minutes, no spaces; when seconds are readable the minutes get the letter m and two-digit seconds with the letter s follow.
5h08m59s
